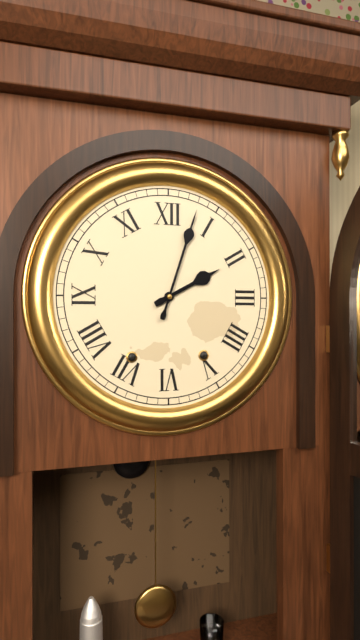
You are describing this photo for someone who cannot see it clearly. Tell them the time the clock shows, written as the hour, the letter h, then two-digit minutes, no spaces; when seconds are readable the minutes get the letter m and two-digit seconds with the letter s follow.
2h03
